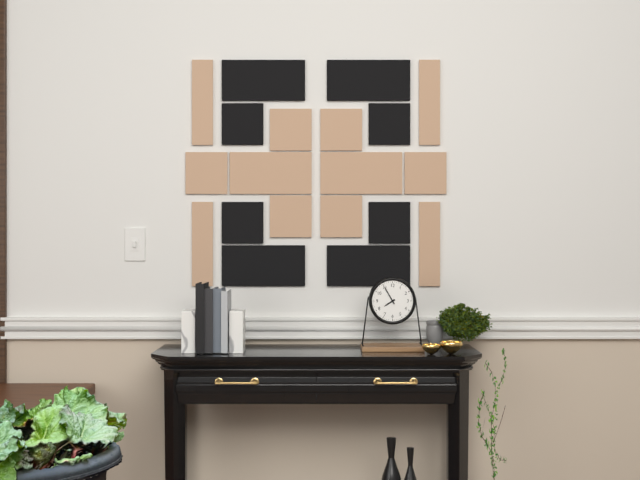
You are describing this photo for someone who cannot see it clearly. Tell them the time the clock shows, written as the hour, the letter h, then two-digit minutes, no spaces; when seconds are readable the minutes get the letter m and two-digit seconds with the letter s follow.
7h55
